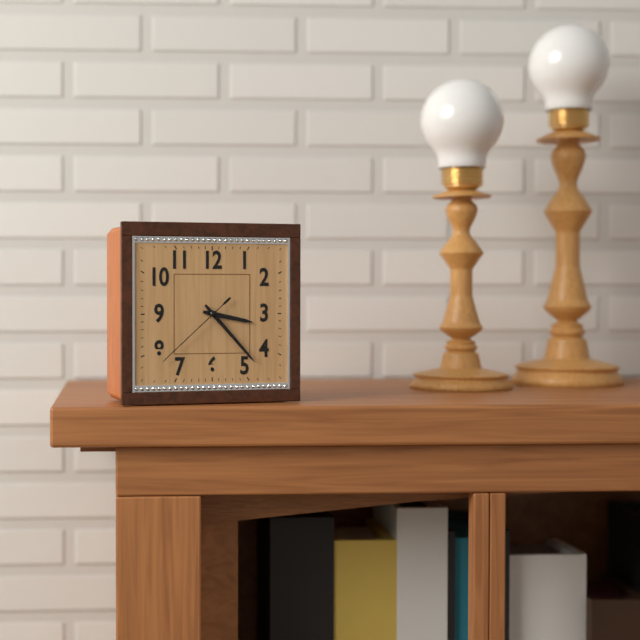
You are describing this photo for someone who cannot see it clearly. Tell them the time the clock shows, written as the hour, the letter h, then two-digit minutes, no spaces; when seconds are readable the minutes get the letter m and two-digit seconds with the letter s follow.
3h23m38s
